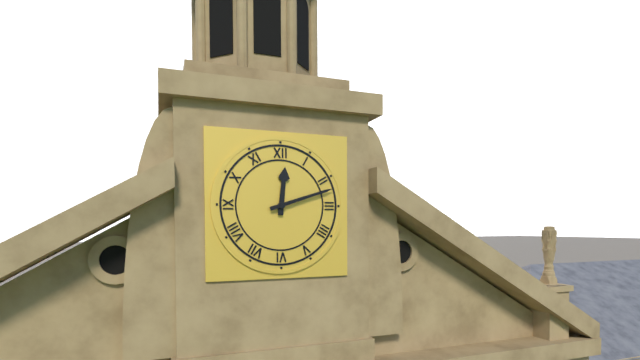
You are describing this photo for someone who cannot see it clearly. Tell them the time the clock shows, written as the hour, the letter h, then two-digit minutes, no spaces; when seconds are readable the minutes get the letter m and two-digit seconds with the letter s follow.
12h12
